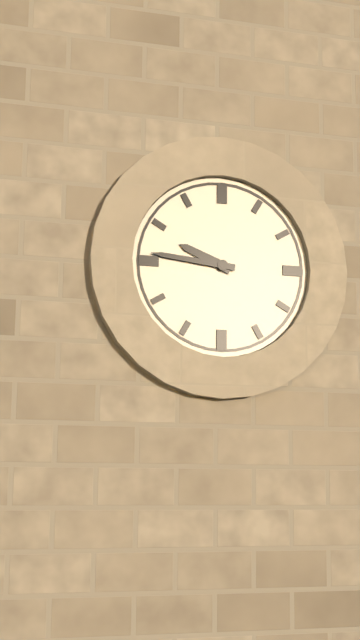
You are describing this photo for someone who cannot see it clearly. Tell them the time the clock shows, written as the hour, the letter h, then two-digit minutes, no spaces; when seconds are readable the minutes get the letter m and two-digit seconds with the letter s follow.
9h46
